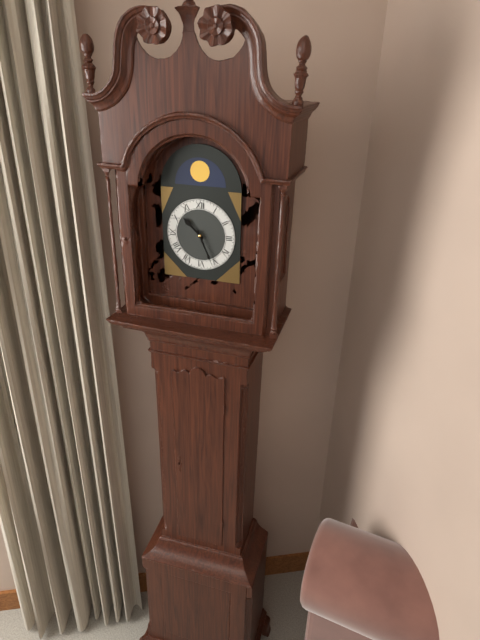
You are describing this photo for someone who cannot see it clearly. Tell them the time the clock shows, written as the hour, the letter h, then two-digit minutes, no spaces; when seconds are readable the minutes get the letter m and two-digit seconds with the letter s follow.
10h26
